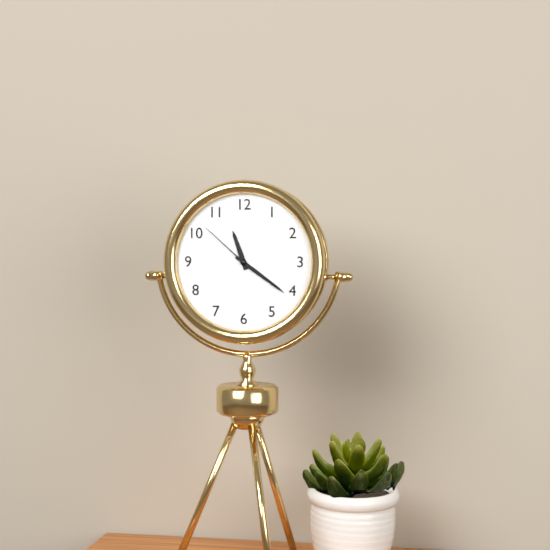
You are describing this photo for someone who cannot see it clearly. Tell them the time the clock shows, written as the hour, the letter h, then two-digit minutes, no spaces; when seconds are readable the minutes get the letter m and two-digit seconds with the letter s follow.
11h21m52s
